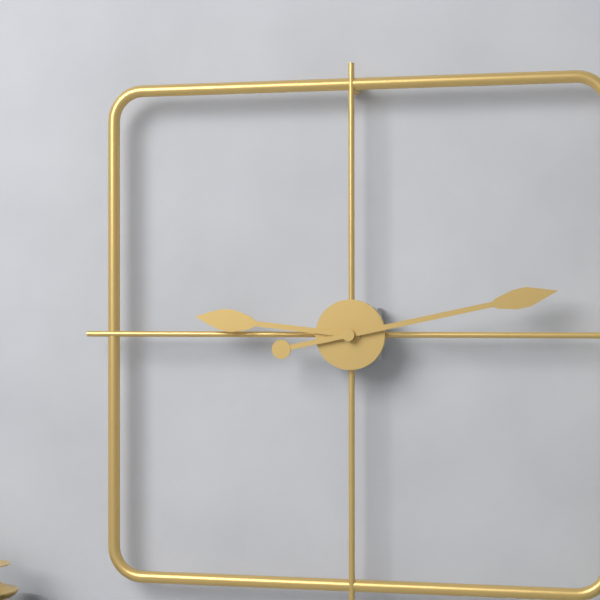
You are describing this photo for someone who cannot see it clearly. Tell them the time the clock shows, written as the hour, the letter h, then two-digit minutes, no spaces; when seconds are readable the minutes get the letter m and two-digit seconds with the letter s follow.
9h13
